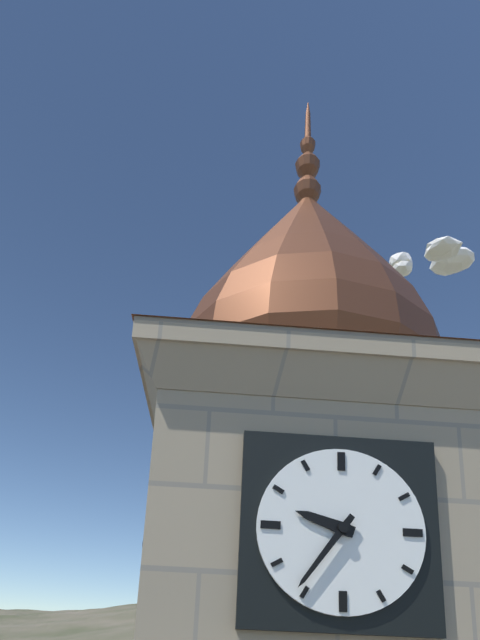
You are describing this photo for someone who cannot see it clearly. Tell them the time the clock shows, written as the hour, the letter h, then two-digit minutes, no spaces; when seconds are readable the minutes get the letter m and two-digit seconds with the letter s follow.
9h36
